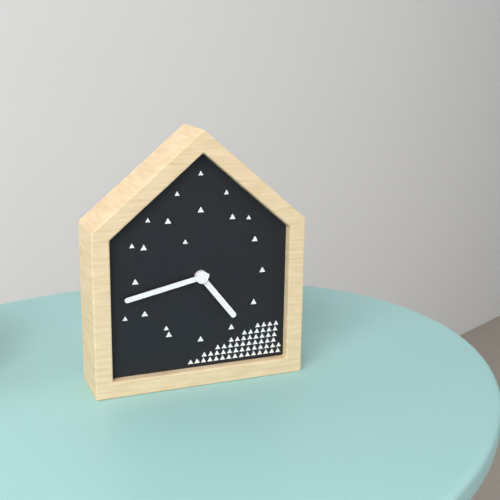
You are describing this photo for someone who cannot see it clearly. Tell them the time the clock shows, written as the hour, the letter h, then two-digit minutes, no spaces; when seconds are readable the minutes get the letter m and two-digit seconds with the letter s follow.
4h43
